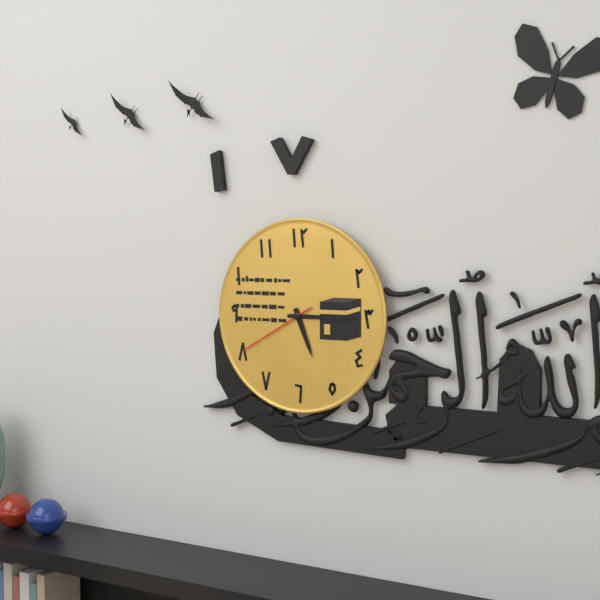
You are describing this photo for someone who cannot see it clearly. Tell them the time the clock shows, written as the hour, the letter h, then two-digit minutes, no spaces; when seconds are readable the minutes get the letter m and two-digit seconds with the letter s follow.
5h15m40s
